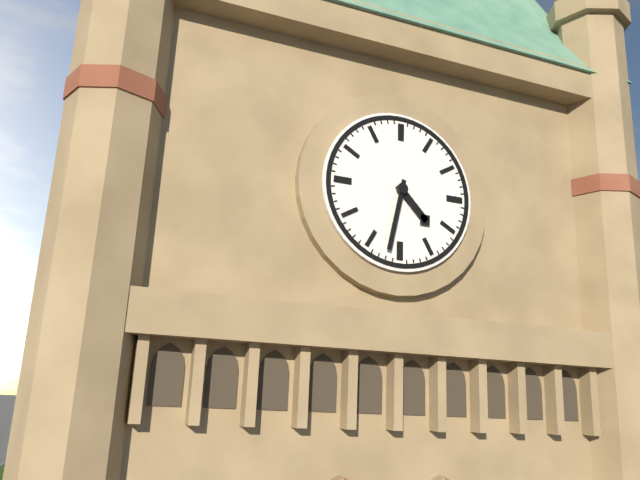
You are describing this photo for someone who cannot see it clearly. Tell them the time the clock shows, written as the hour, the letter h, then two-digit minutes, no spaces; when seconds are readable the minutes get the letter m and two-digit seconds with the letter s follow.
4h32
